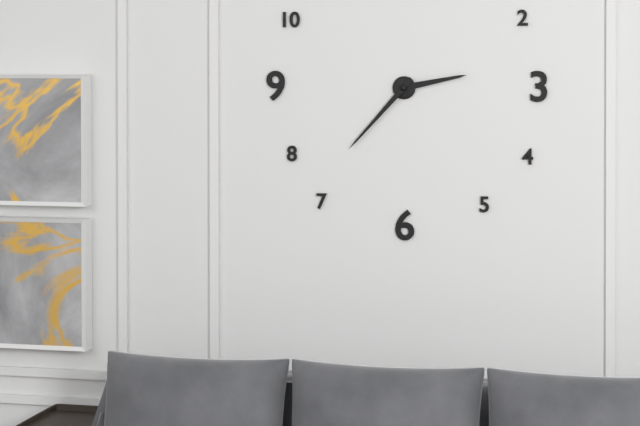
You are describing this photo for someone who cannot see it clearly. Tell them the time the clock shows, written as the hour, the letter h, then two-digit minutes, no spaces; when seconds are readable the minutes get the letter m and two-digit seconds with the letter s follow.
2h37
